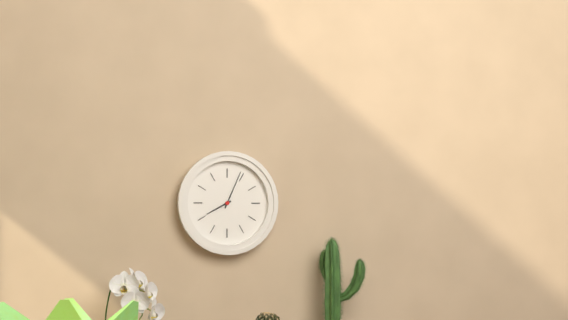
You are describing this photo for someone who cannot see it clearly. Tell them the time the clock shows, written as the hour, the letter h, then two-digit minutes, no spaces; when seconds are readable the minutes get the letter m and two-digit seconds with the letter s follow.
8h04
